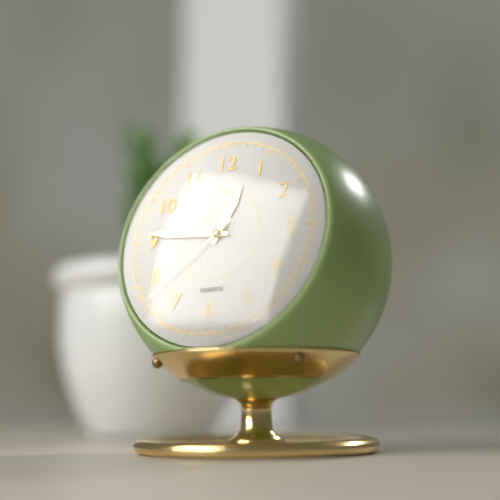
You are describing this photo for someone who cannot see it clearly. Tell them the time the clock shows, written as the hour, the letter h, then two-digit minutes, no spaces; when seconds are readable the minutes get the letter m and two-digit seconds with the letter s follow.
12h46m38s
